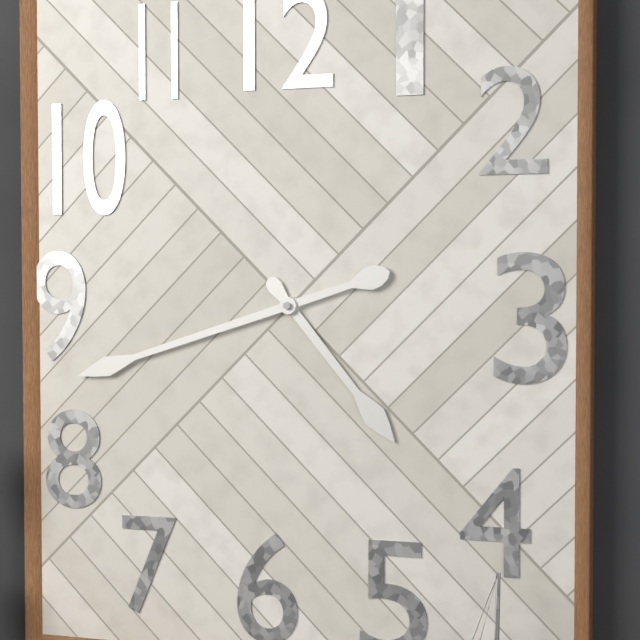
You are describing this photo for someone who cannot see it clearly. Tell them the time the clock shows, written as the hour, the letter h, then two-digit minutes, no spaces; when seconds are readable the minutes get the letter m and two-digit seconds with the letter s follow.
4h42
